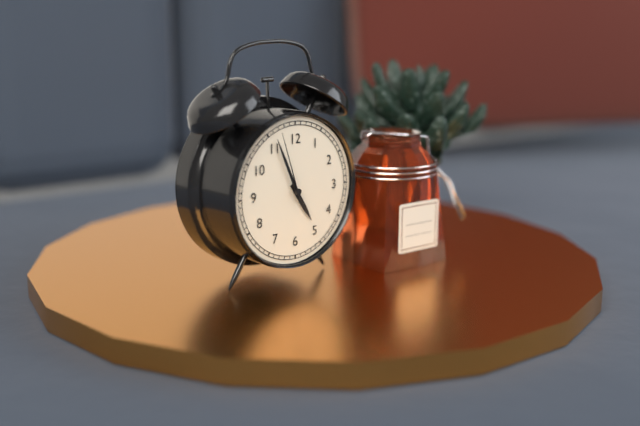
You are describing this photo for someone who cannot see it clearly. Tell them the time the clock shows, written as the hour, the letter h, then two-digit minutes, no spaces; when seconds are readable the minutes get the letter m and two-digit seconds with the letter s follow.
4h56m57s
